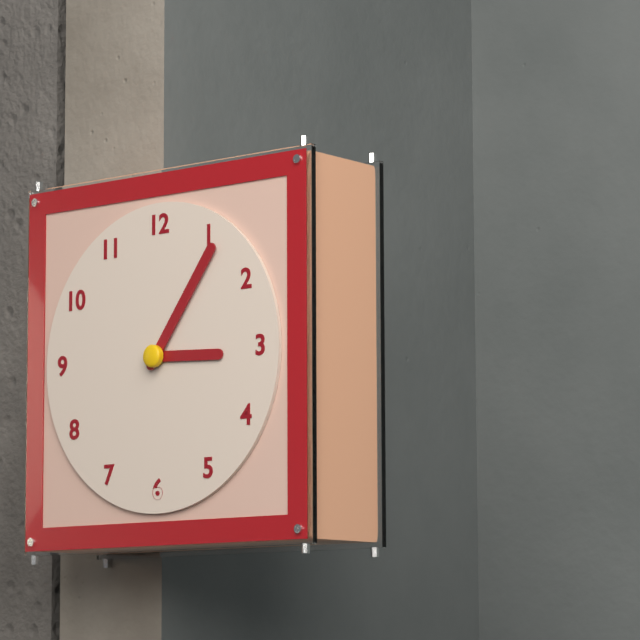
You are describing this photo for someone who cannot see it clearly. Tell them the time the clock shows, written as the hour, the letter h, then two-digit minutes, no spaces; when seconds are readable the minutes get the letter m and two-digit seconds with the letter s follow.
3h06
